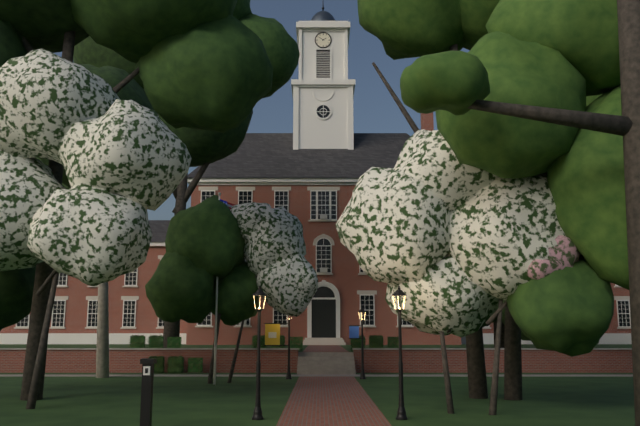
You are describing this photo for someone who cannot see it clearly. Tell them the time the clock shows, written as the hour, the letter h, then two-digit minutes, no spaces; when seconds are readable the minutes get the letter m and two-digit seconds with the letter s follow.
1h51
